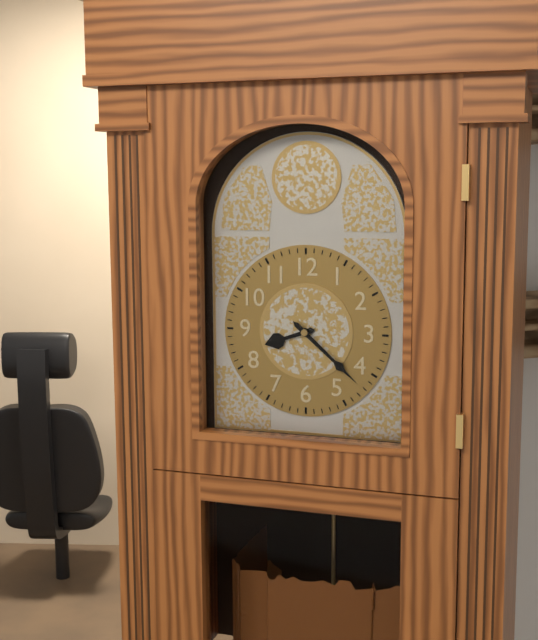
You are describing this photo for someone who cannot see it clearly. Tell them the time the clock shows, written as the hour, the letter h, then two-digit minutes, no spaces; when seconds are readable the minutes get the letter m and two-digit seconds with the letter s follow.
8h22
